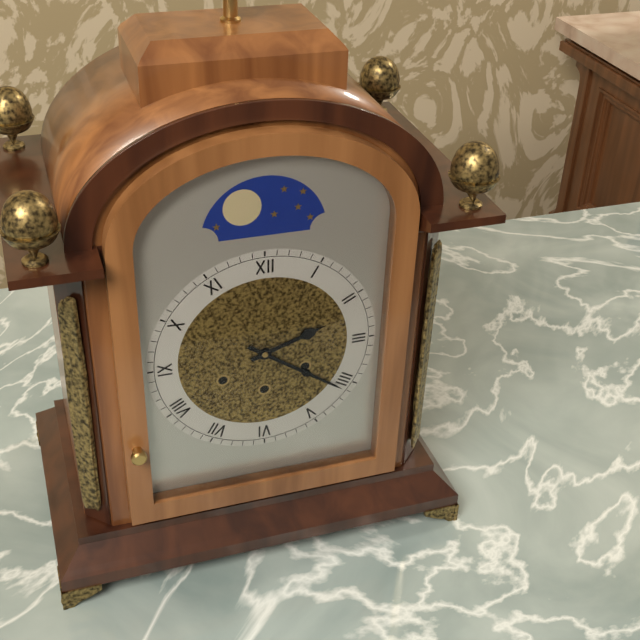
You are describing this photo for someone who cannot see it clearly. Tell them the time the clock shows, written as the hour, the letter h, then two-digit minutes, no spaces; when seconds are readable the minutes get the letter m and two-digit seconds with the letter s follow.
2h21
